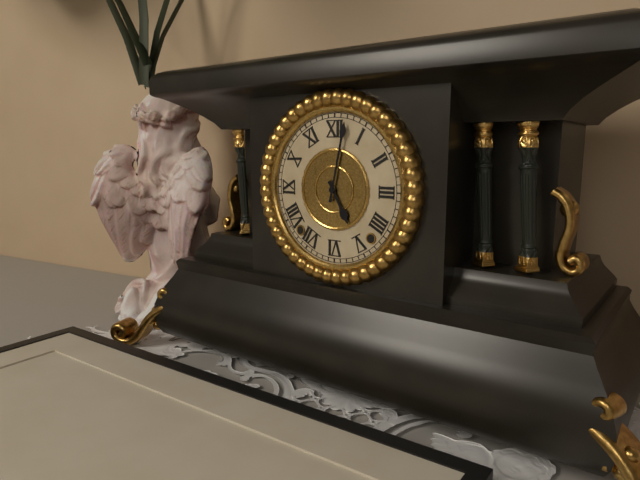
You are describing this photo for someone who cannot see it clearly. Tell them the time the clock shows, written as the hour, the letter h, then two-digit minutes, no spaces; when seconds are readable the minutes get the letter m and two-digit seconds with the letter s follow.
5h02
